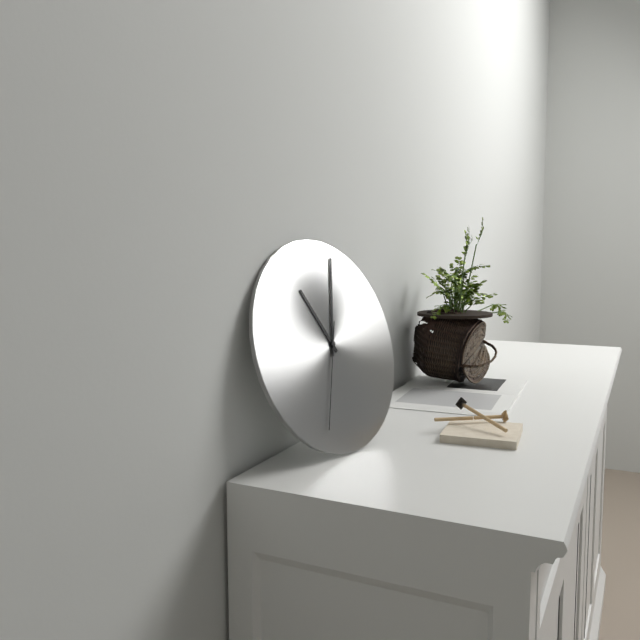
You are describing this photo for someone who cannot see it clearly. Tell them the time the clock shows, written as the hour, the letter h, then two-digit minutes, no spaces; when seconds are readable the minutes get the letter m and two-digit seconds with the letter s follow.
11h03m34s
